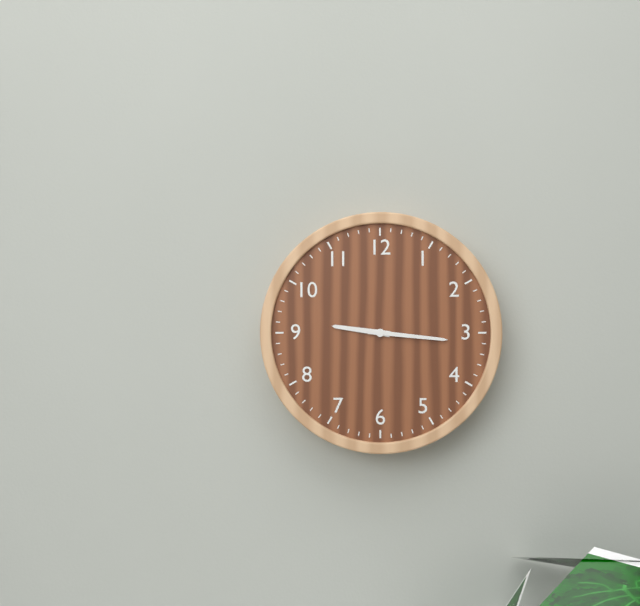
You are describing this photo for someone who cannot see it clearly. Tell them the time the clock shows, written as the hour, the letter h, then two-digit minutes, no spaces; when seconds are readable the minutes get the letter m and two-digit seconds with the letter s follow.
9h16
